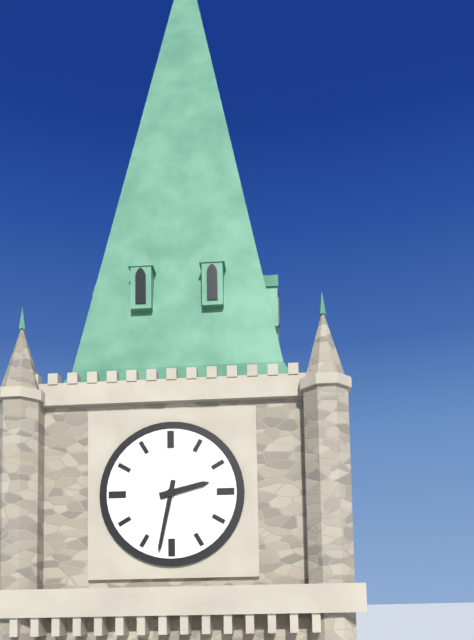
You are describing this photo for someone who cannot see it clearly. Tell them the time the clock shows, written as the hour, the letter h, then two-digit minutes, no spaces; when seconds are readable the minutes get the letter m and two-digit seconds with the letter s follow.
2h32
